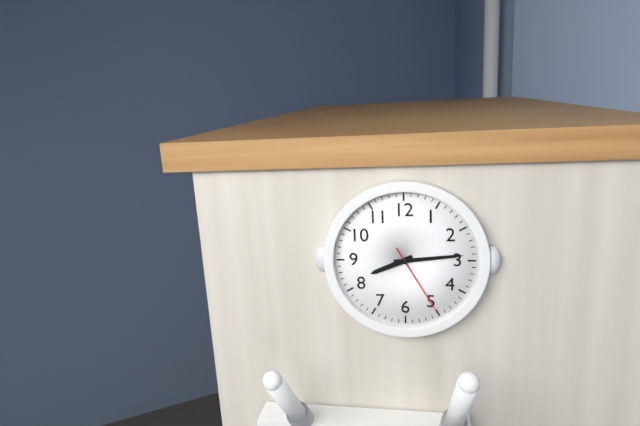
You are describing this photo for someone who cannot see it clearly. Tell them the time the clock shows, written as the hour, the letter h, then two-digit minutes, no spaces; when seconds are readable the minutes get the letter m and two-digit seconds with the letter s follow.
8h14m25s
